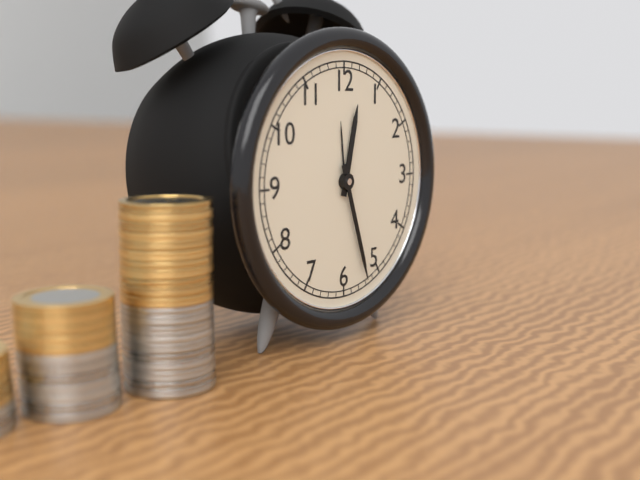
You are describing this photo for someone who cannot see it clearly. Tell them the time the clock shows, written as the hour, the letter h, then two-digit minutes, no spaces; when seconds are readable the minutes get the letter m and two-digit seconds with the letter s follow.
12h27
